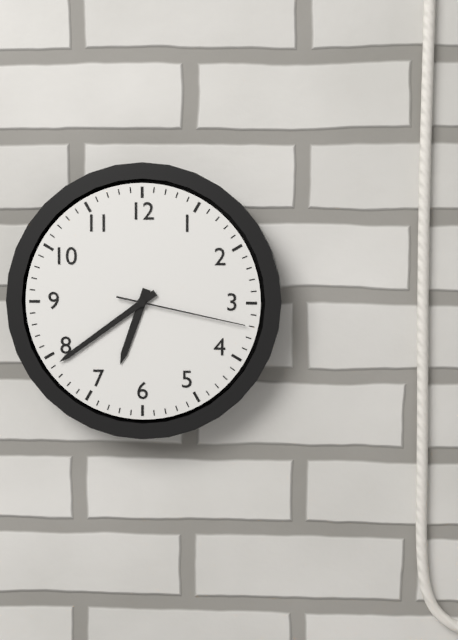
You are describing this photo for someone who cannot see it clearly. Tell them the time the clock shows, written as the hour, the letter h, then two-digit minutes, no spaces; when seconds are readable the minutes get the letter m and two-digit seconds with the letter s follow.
6h39m17s
